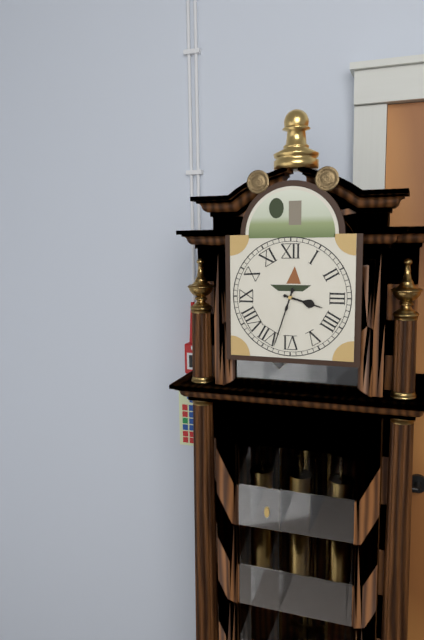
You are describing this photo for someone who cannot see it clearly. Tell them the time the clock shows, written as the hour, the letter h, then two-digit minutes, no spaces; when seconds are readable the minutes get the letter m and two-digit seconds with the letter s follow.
3h33
